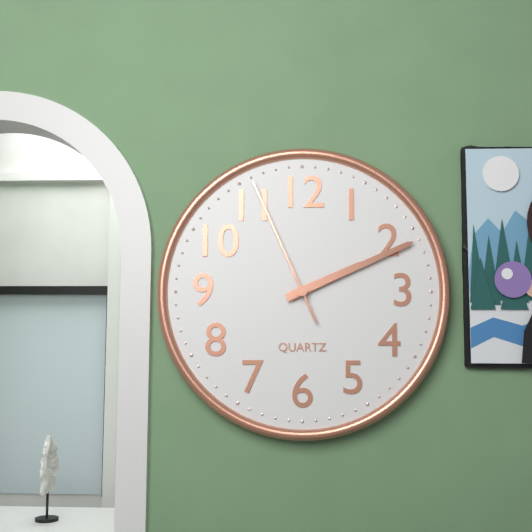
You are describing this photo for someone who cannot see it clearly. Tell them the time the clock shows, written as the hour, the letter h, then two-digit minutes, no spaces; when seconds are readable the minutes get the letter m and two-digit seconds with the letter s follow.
2h11m56s
